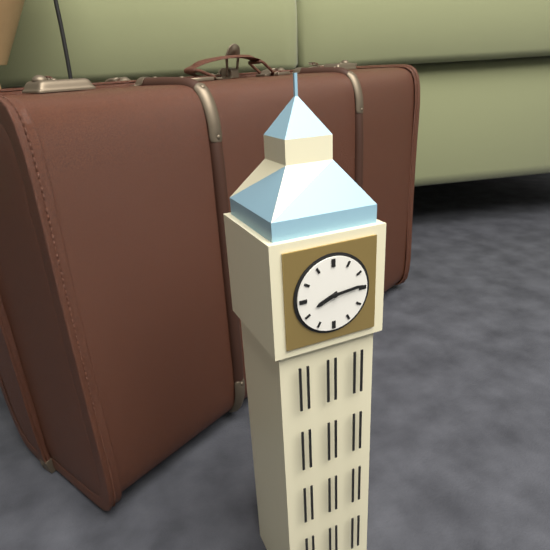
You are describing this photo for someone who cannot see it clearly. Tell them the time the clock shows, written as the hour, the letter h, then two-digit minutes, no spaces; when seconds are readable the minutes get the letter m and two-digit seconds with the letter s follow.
8h14
